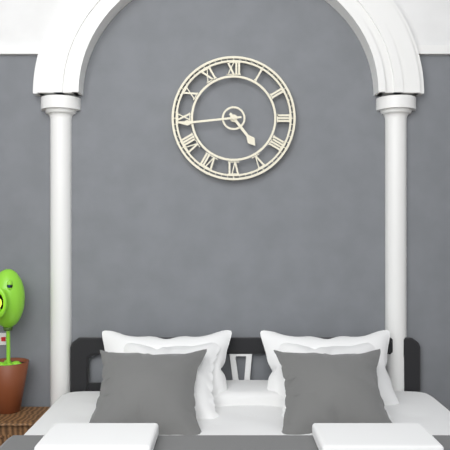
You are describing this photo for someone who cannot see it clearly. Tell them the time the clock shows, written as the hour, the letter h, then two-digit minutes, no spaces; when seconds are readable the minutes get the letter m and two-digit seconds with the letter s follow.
4h44
